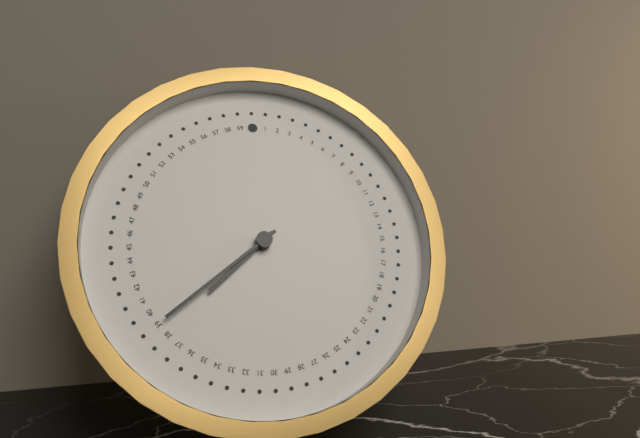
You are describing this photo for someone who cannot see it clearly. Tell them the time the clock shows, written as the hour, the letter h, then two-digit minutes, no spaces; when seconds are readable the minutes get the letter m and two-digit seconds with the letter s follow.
7h39
